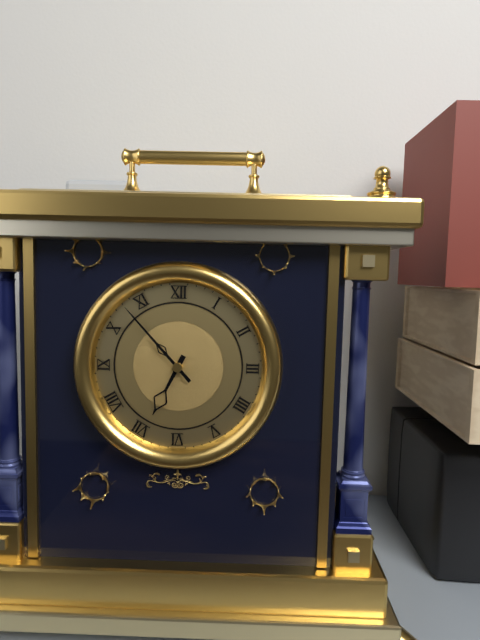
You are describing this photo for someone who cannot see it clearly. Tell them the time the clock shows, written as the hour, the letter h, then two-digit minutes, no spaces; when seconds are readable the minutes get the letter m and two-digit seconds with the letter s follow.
6h53
